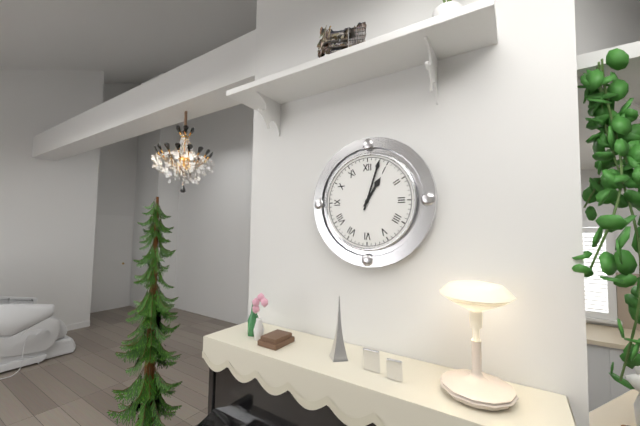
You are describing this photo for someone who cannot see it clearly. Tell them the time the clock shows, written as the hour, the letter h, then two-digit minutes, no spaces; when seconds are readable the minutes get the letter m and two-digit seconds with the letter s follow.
1h03
